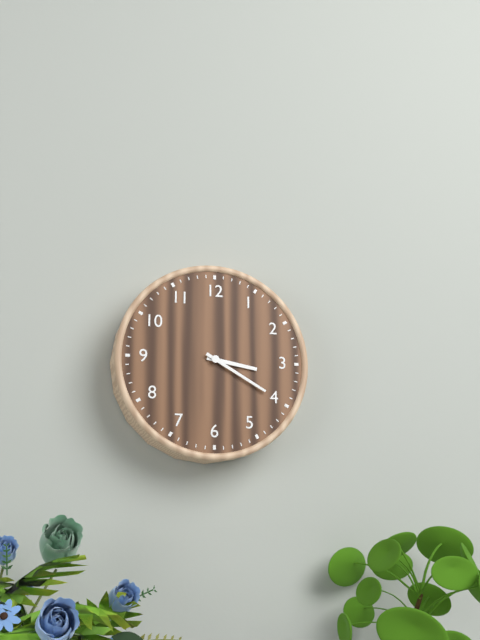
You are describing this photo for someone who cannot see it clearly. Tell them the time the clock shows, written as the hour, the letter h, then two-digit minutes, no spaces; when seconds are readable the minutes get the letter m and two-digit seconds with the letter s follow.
3h20
